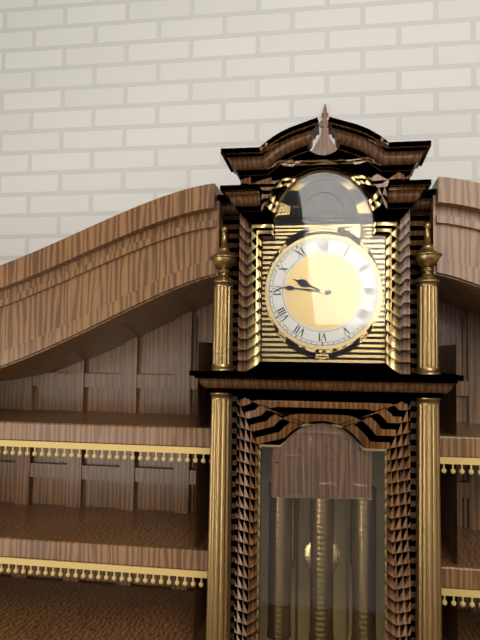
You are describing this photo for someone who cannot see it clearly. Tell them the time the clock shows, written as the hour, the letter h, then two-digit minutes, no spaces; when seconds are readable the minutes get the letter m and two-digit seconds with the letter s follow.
9h46
